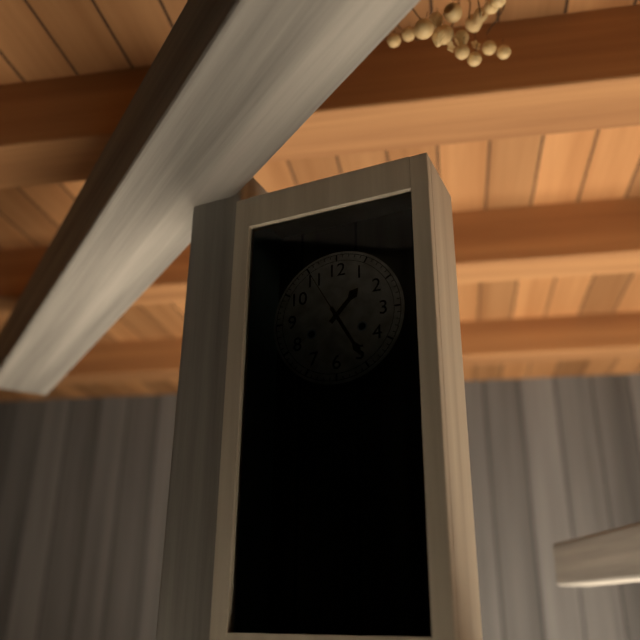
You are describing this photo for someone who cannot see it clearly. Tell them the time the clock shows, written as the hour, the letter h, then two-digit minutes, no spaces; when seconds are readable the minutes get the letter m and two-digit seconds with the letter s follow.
1h25m55s
